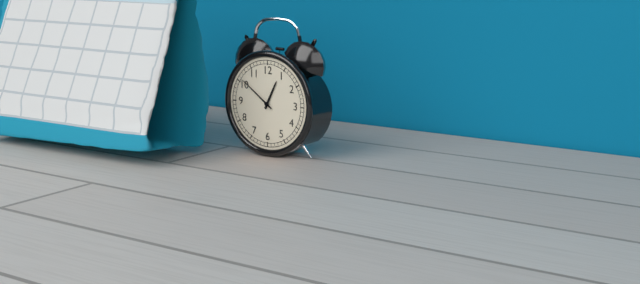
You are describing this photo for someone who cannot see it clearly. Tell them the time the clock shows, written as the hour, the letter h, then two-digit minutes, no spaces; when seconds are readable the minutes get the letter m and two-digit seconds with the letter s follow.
12h51
